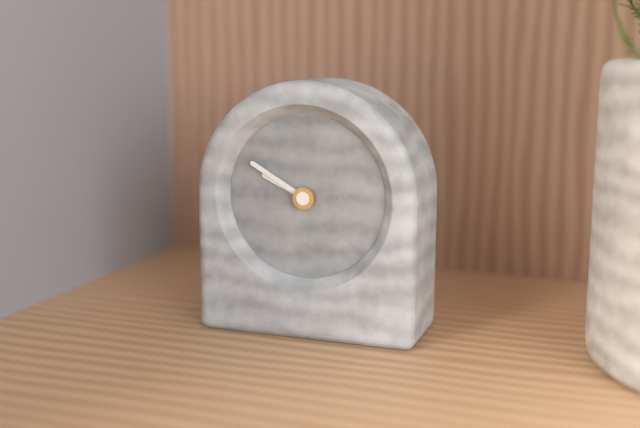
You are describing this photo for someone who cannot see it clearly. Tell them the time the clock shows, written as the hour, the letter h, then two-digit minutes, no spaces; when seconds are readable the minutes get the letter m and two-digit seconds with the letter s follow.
9h50
